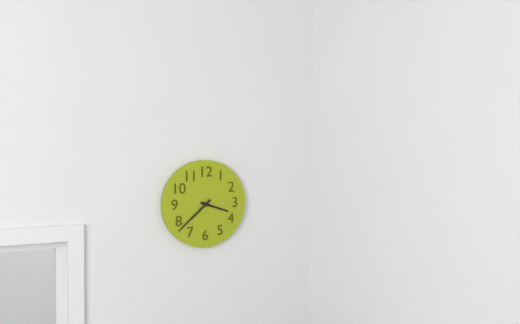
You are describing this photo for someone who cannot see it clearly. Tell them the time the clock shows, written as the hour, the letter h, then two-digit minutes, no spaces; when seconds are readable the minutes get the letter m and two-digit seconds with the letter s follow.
3h38
